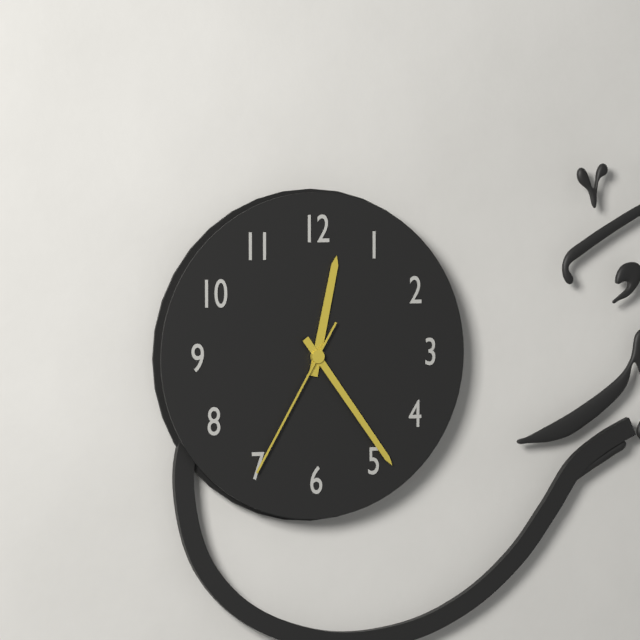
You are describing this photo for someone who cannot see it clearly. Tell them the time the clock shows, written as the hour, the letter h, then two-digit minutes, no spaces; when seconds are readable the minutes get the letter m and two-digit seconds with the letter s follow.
12h24m35s
